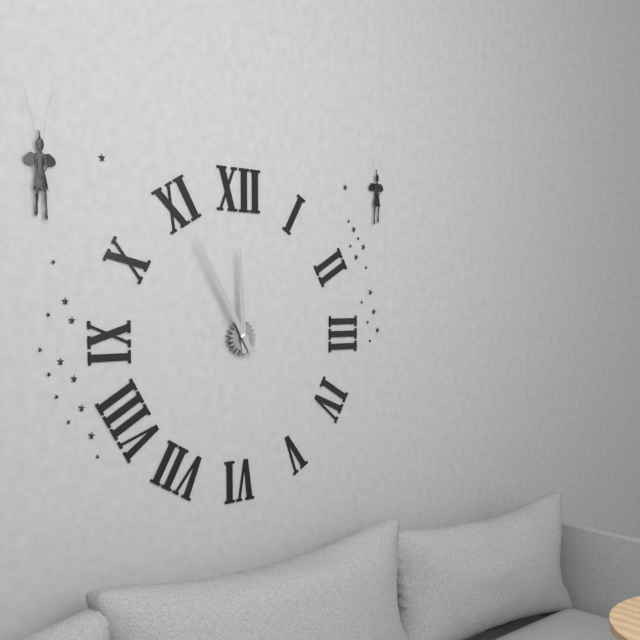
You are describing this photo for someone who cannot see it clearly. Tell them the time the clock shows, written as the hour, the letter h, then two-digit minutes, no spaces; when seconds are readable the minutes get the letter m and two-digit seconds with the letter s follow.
11h55
